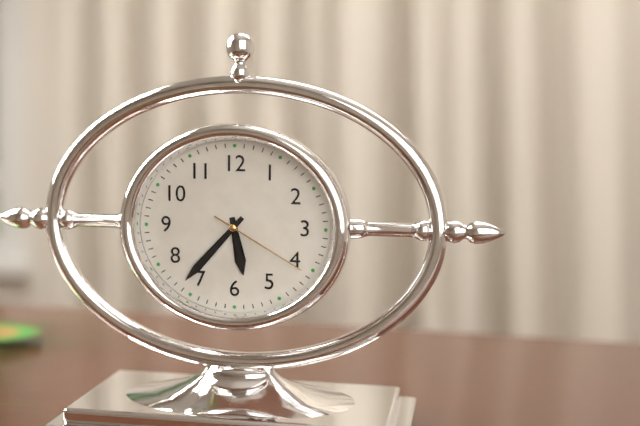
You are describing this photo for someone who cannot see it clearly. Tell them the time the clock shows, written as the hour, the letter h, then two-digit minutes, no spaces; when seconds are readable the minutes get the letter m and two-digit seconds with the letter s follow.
5h37m20s
